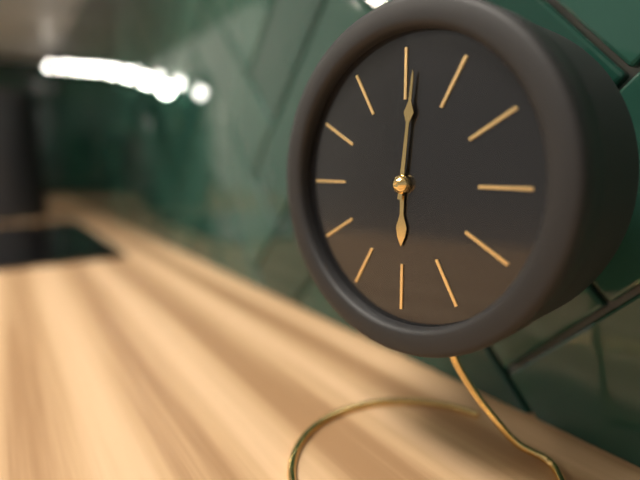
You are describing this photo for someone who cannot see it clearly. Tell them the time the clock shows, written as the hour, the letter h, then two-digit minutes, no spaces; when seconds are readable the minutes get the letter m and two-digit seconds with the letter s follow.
6h01
